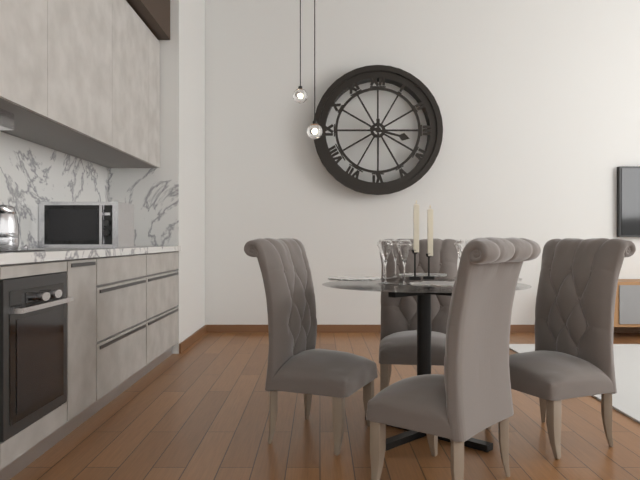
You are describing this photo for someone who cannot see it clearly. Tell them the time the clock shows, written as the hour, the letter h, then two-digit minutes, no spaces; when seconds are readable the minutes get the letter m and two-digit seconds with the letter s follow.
3h30
